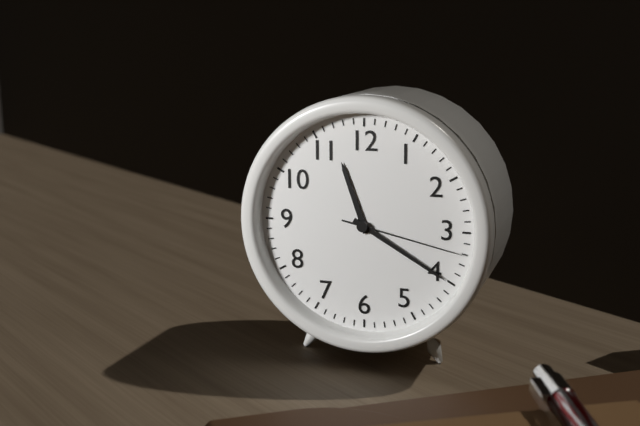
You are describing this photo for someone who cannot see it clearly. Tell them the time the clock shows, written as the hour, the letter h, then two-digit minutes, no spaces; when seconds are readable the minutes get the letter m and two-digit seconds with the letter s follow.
11h20m17s
